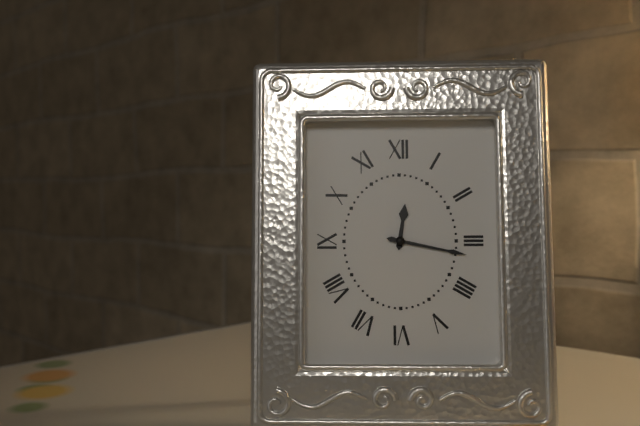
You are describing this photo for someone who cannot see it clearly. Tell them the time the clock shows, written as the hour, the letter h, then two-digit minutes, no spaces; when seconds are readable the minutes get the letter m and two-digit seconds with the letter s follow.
12h17
